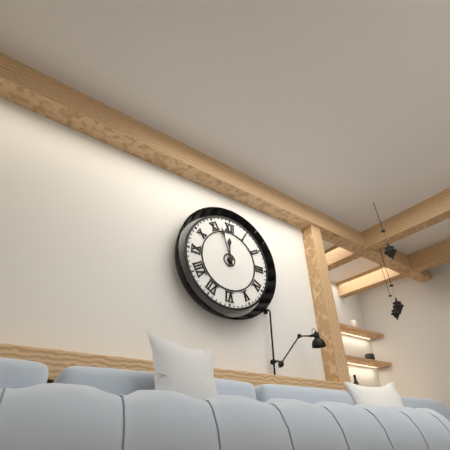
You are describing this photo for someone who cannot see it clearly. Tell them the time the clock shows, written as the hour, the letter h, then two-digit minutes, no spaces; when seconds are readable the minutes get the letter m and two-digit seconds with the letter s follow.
11h57
